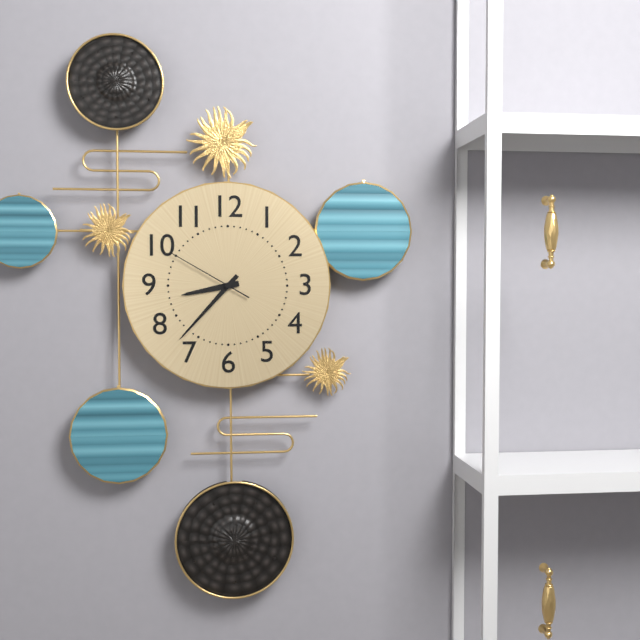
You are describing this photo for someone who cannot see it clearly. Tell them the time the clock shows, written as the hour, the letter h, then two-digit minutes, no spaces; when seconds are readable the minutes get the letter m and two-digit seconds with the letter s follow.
8h37m50s
